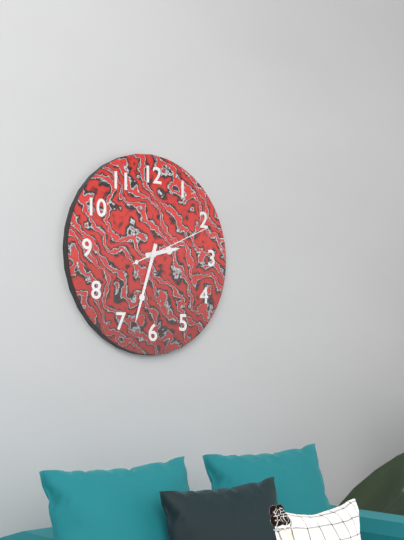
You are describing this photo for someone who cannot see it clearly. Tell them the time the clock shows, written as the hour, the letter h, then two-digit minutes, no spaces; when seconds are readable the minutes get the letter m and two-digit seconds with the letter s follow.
2h33m11s
